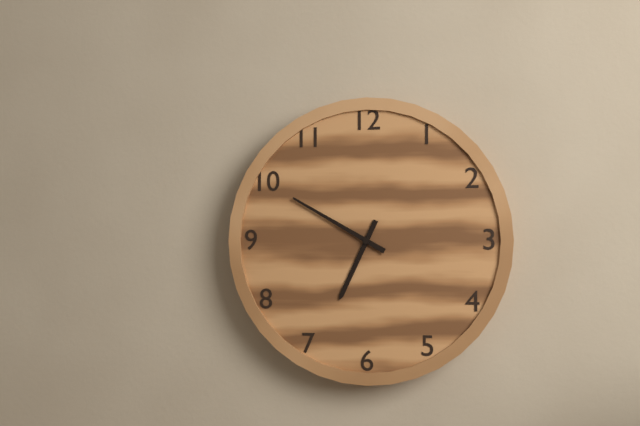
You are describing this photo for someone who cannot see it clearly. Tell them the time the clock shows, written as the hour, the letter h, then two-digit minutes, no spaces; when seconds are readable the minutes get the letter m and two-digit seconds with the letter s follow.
6h50
